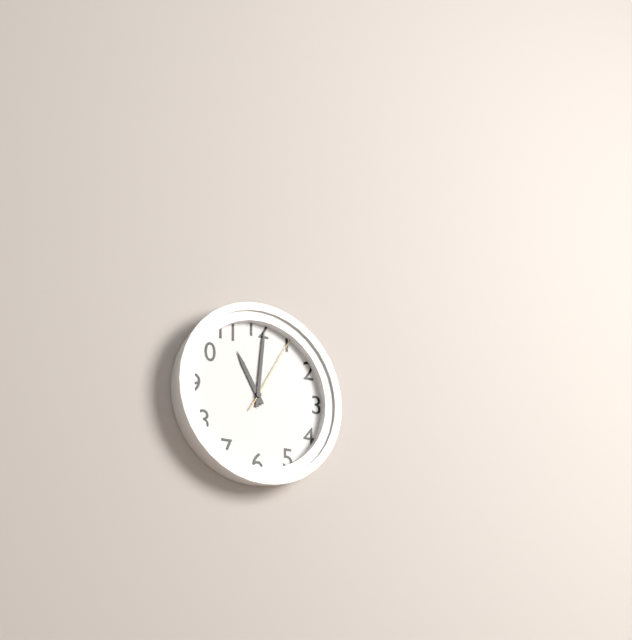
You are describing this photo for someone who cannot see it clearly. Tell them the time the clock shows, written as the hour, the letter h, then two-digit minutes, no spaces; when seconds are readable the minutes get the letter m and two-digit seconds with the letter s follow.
11h01m05s
